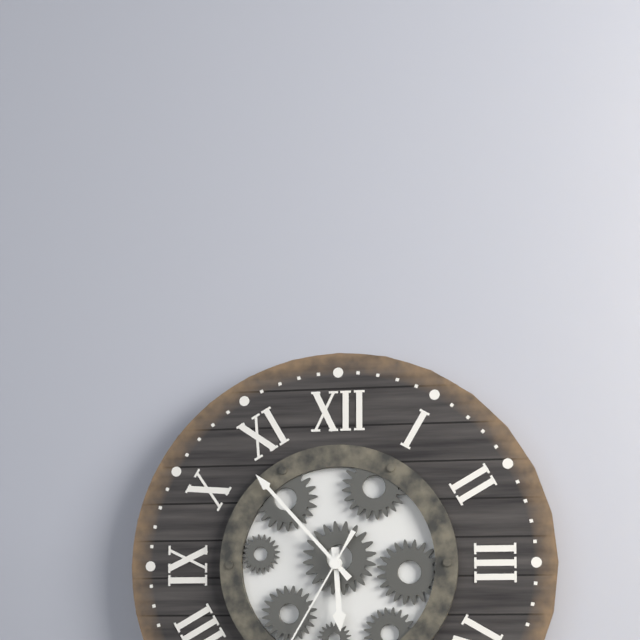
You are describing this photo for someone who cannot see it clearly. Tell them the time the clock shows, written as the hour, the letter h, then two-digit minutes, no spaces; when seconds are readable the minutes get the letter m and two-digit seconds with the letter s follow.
5h53
